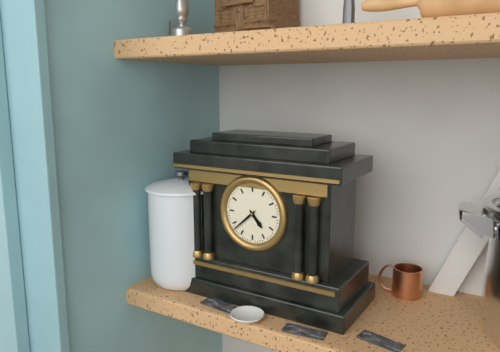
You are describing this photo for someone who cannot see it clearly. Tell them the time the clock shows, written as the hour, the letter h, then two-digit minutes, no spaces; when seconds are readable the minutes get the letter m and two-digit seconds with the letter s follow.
4h38
